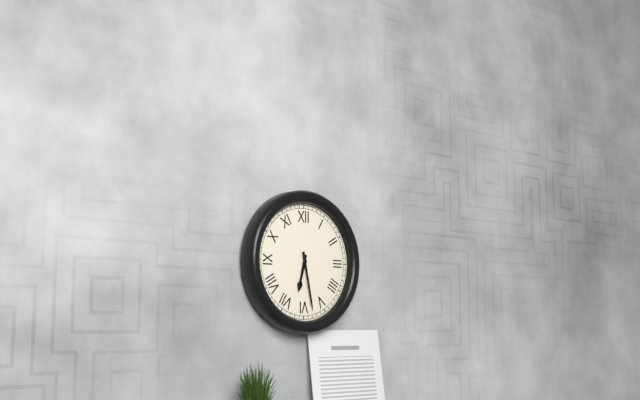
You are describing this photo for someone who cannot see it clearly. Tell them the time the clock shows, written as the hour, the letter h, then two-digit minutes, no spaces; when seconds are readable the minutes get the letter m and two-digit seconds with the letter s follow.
6h28
